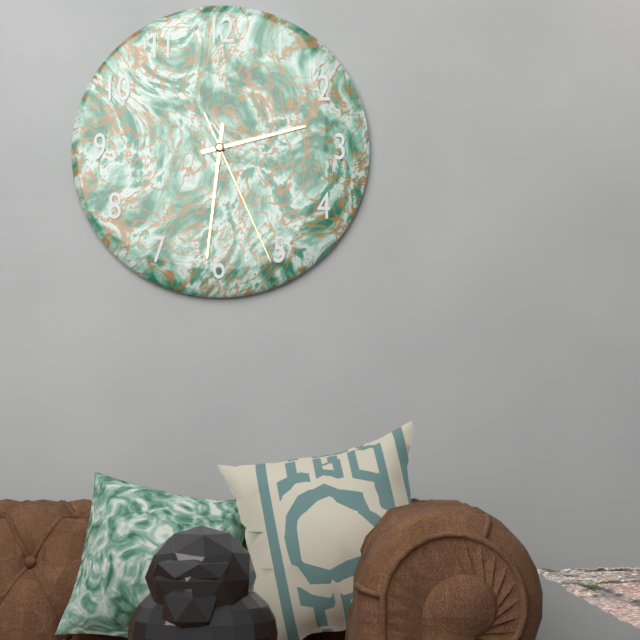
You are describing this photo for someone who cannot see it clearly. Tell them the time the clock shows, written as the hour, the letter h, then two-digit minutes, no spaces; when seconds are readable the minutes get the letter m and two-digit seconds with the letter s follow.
2h31m26s
